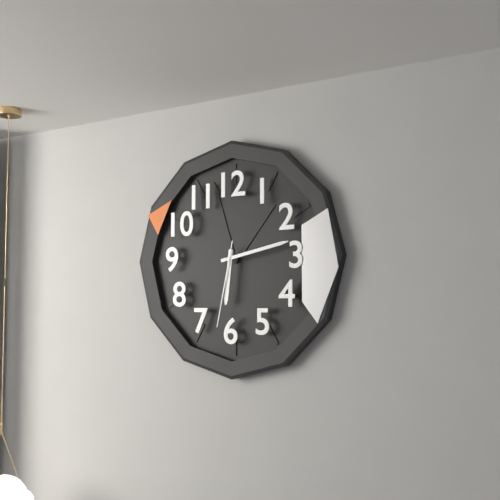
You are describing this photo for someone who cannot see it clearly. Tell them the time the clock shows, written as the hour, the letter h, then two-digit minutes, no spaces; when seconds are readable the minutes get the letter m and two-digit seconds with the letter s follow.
6h13m32s
